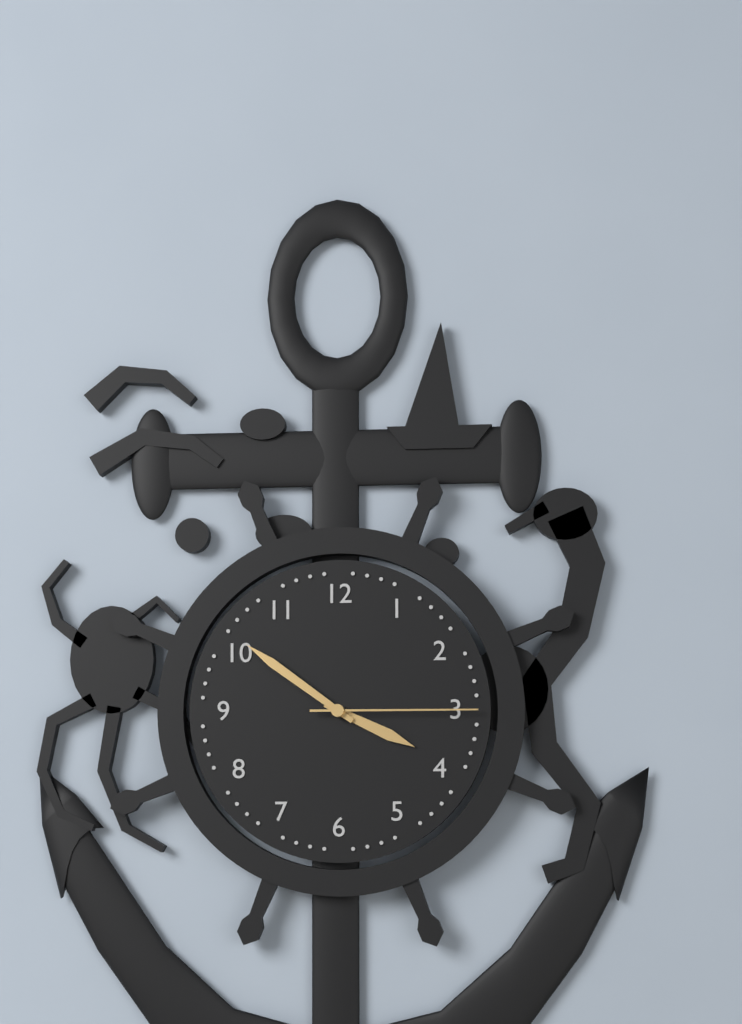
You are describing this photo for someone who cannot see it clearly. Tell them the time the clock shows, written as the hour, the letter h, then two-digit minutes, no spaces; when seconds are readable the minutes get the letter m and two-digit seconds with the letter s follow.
3h51m15s
